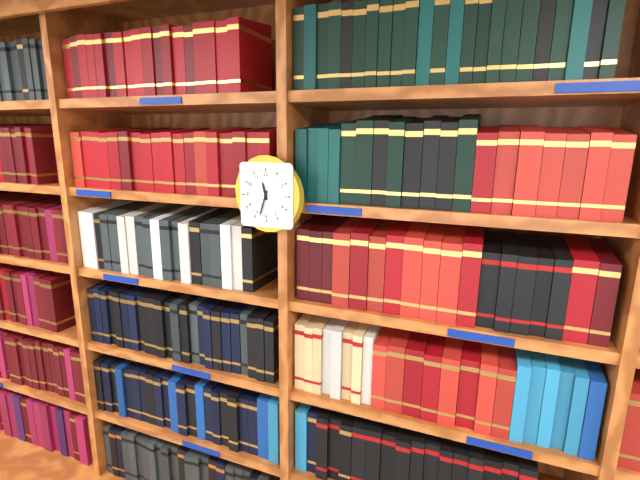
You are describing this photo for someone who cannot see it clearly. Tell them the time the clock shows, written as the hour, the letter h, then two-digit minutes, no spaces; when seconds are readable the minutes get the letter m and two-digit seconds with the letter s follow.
11h33
